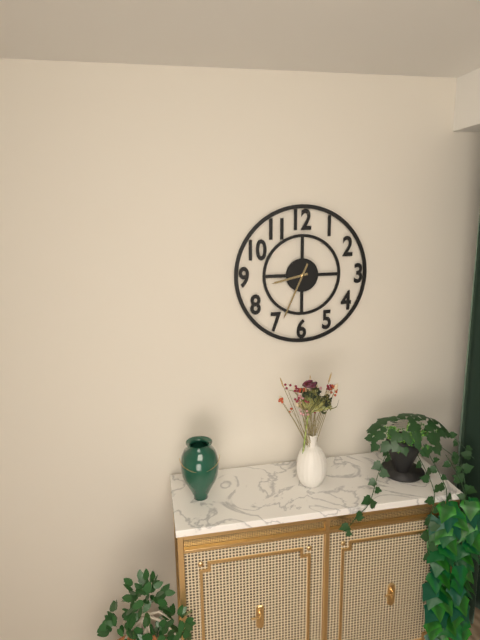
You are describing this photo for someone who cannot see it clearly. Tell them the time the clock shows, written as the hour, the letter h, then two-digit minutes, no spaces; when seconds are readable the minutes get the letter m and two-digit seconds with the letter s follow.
8h34
